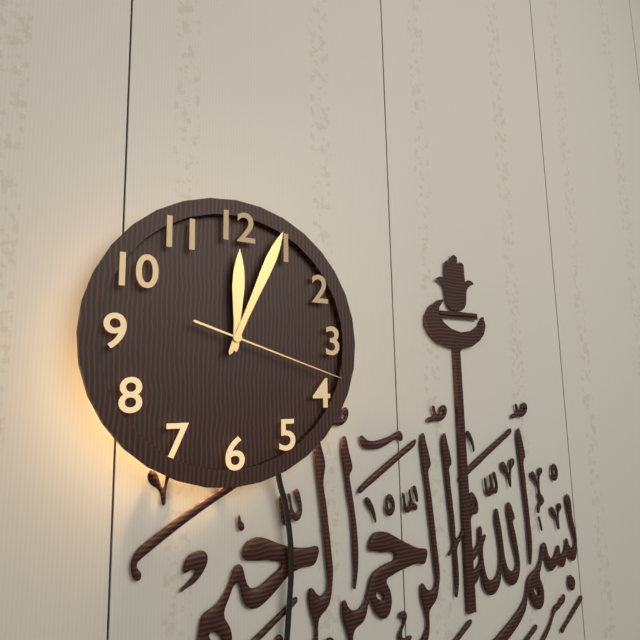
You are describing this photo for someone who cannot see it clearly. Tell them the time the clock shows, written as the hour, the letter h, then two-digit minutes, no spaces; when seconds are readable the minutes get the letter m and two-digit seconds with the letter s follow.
12h04m18s
